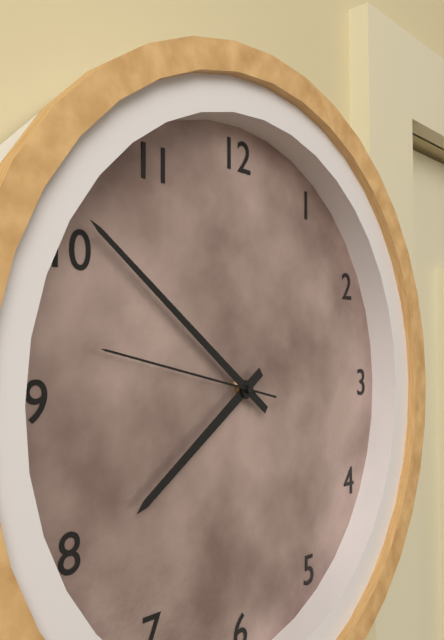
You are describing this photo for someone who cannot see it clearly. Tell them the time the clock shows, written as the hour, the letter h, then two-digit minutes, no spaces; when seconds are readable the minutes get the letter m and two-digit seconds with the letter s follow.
7h51m47s
